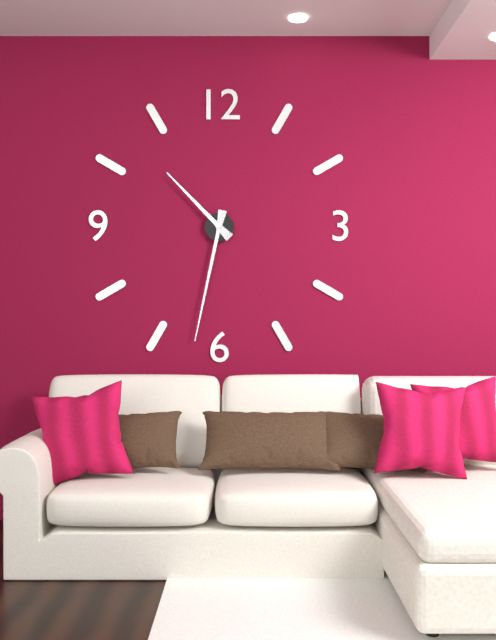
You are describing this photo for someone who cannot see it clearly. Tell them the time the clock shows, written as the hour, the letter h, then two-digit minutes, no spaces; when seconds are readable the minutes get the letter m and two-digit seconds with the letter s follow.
10h32
